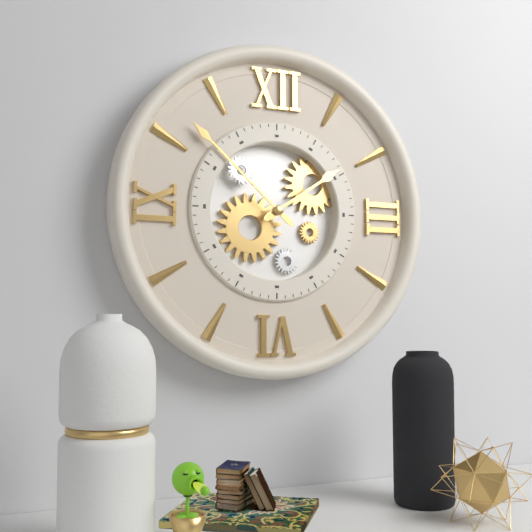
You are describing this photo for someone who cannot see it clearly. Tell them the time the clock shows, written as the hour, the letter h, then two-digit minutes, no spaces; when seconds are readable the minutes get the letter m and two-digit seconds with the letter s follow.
1h52
